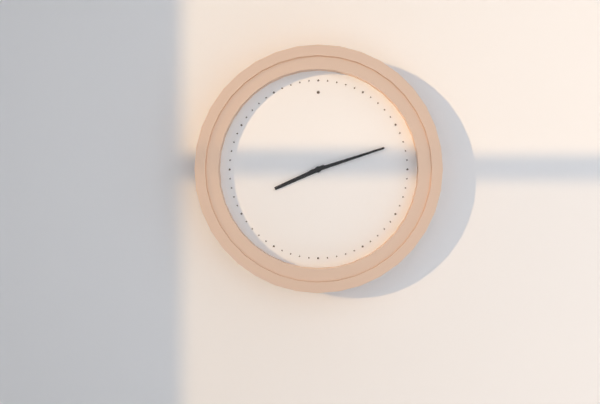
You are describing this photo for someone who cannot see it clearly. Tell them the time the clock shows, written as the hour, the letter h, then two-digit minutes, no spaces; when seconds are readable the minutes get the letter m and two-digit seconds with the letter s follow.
8h12
